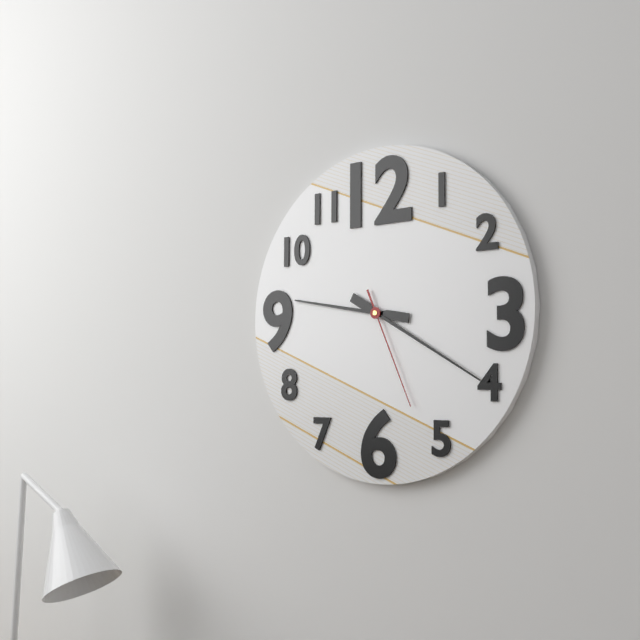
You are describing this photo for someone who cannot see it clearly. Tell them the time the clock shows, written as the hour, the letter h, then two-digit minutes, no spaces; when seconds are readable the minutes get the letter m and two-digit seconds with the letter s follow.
9h20m26s
